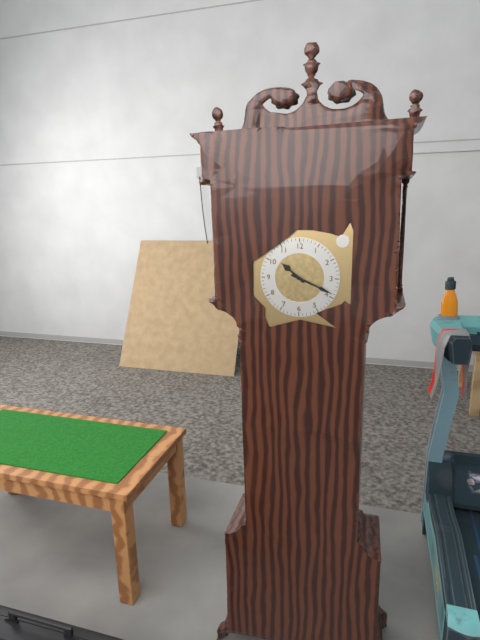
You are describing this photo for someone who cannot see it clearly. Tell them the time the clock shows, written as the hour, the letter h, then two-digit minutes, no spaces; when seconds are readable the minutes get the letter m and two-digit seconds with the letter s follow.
10h19
